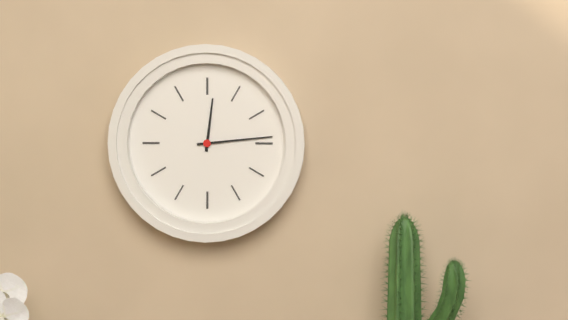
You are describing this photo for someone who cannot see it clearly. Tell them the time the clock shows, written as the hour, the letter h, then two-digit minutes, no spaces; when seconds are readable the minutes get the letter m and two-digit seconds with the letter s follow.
12h14
